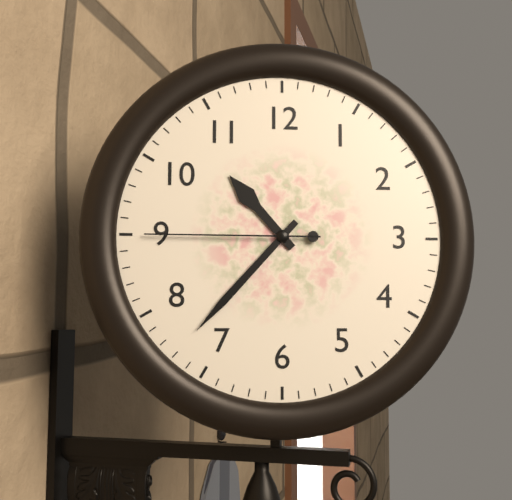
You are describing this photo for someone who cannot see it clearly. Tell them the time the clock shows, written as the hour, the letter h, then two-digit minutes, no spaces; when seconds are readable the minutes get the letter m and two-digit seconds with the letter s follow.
10h37m45s
